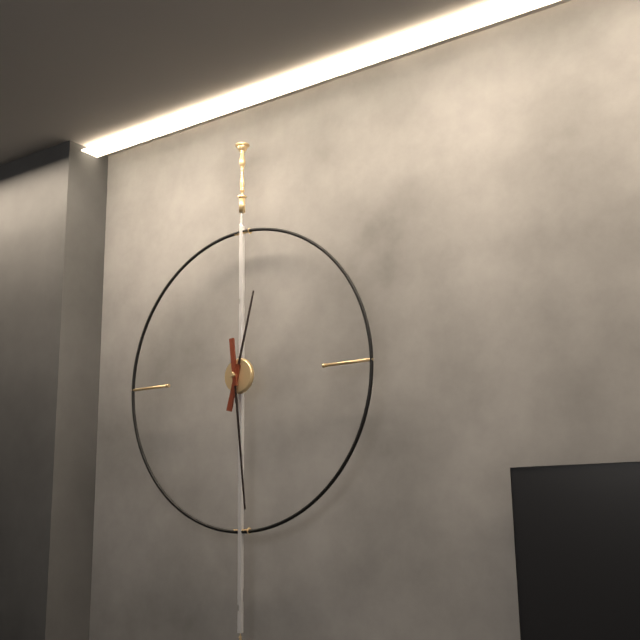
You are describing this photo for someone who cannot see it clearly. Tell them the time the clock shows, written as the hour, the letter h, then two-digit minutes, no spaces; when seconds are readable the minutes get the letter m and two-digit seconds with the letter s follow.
12h29
